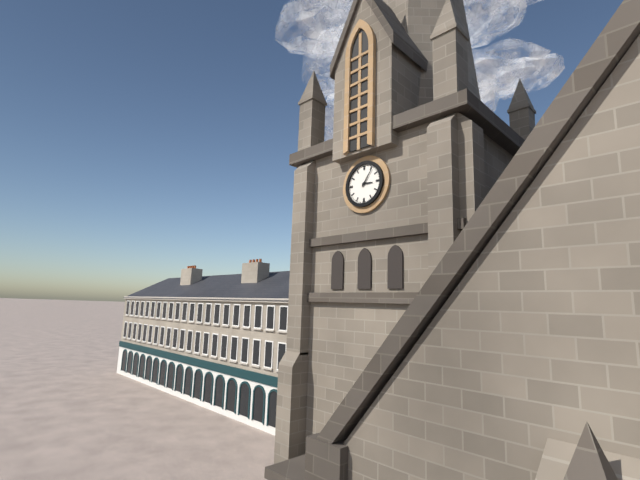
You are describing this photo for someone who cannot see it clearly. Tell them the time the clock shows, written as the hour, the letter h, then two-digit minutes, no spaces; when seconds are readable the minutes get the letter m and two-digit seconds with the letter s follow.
3h06
